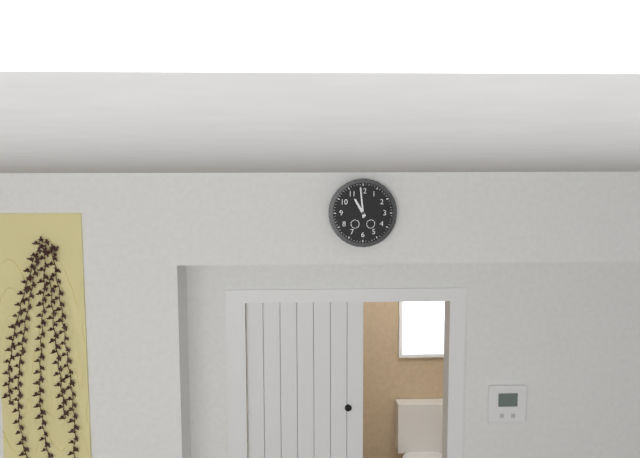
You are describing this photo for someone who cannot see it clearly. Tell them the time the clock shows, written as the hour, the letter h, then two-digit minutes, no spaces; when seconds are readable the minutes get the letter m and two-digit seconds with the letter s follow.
10h59
